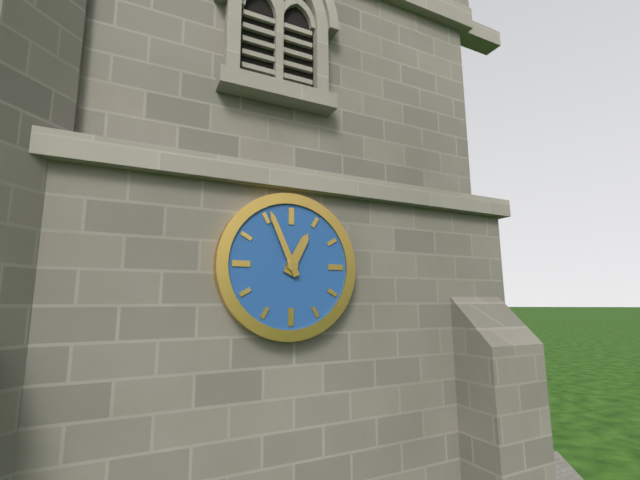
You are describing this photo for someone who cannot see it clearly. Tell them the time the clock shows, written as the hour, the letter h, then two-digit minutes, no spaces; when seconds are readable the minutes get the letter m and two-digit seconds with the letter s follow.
12h56
